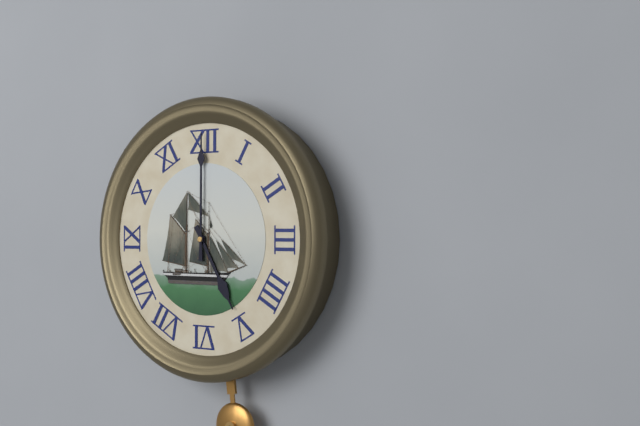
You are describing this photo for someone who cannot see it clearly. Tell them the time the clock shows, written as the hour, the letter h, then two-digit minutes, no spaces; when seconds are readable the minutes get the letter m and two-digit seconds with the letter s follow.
5h00
